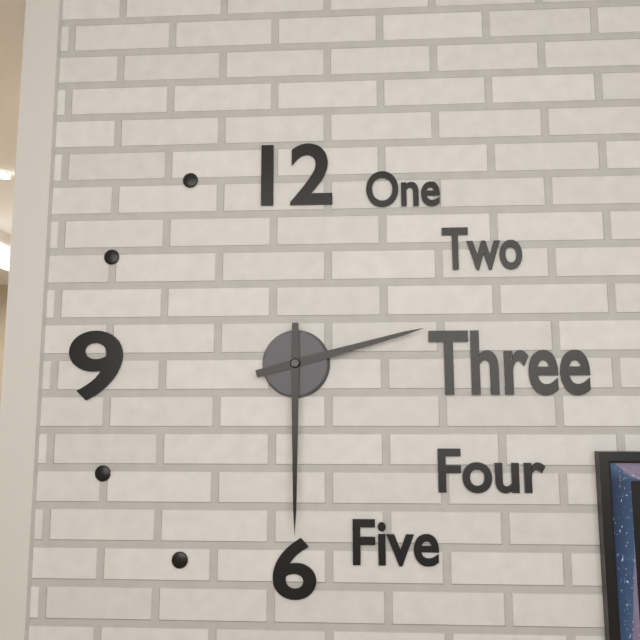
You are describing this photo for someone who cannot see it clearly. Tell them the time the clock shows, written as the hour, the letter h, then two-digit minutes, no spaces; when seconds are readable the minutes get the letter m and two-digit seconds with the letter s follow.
2h30
